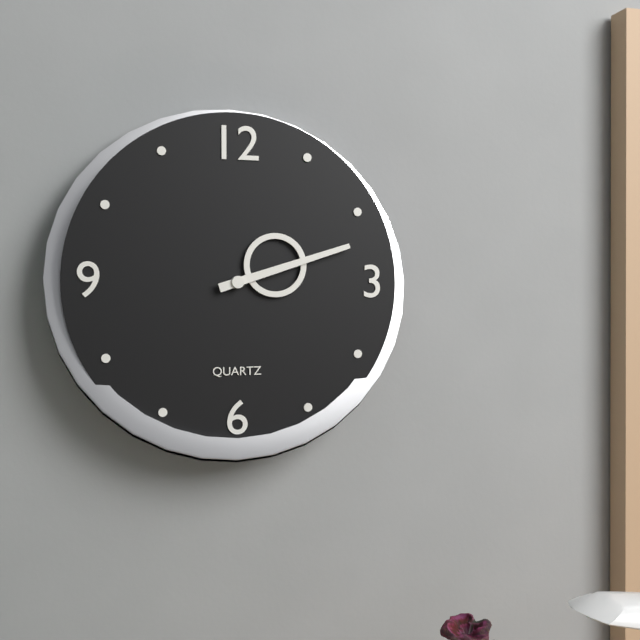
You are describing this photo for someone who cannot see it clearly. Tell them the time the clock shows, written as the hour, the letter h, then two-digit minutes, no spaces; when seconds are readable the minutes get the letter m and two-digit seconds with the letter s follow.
2h12
